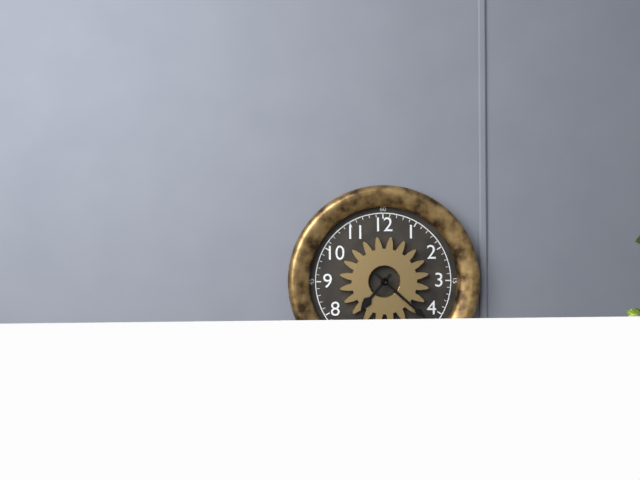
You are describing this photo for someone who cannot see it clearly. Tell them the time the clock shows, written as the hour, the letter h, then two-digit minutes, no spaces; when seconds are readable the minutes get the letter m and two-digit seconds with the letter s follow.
7h22
